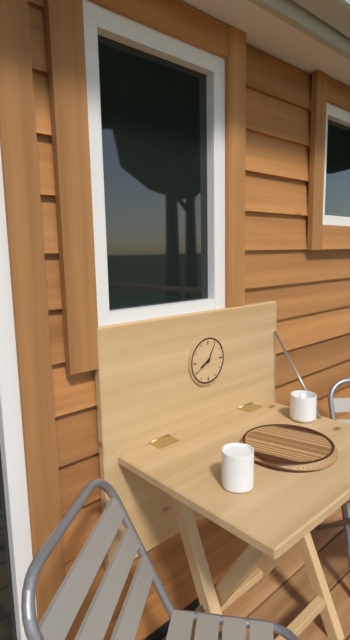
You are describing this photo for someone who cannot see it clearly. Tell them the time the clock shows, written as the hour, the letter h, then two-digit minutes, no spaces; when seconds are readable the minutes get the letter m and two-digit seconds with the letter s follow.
8h05
